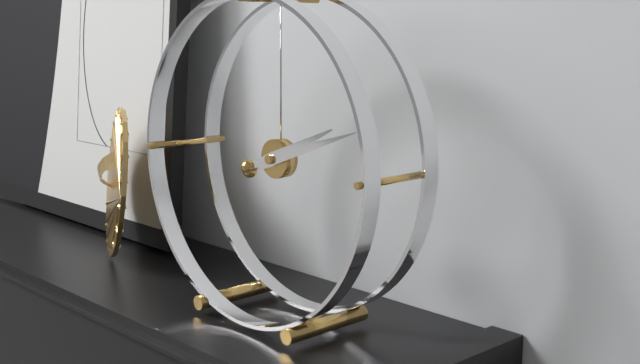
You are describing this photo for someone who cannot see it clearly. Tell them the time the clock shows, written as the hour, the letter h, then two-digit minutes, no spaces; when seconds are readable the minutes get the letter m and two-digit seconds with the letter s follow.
2h12
